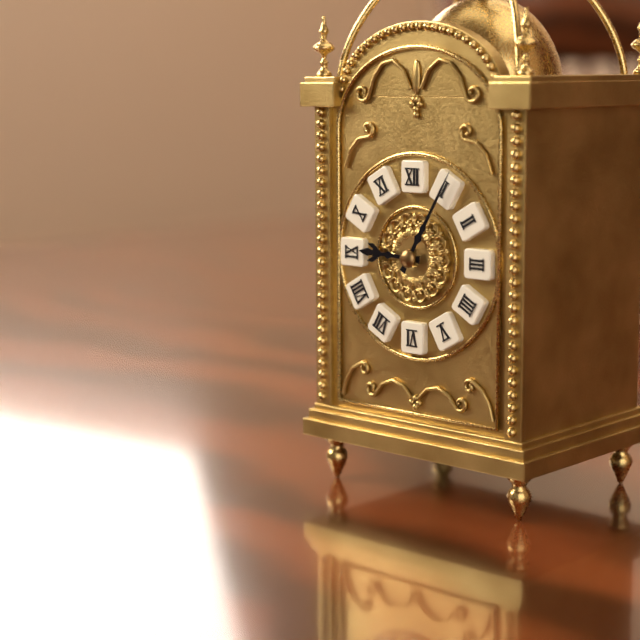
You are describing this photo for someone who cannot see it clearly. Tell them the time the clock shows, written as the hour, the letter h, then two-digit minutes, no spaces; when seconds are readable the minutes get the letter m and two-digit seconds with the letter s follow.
9h05
